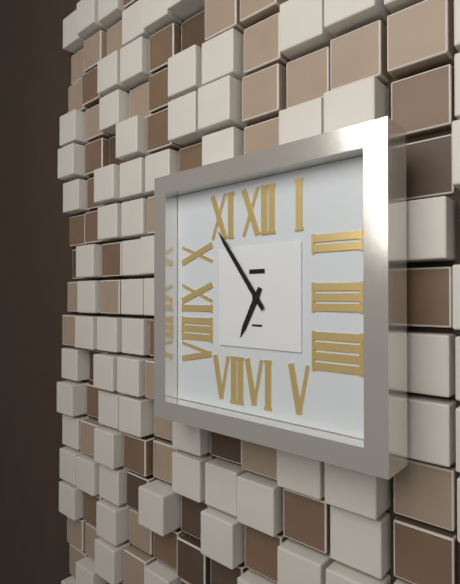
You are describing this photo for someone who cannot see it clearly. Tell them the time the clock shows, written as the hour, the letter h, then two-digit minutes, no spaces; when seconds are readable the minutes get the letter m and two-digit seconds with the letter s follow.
6h54
